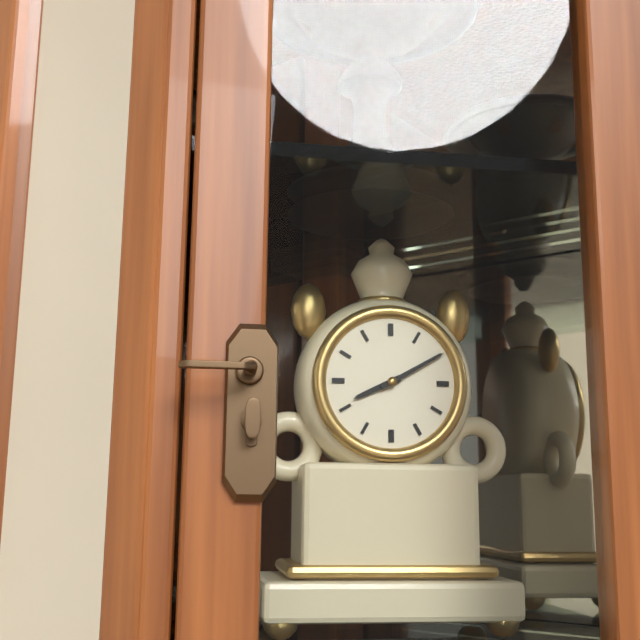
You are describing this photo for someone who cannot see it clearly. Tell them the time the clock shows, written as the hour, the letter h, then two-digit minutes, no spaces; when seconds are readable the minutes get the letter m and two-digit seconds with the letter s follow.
8h10
